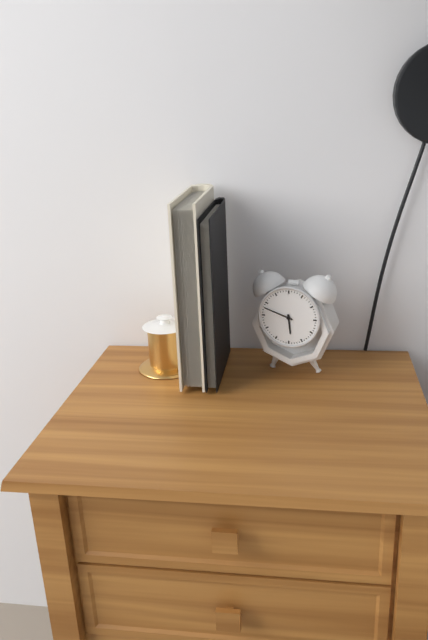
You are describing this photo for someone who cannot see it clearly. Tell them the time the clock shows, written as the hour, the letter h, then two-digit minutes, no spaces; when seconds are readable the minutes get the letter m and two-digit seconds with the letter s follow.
5h48
